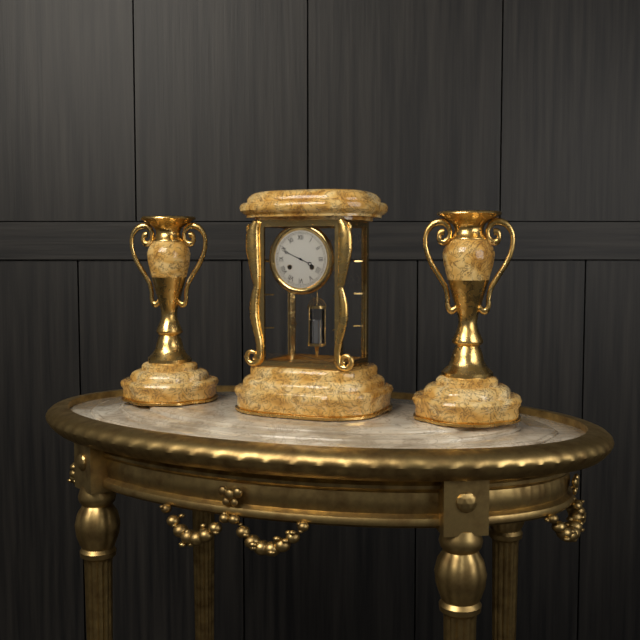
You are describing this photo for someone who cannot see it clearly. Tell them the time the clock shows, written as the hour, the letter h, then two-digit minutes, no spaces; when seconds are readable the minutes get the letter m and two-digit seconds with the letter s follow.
3h49
